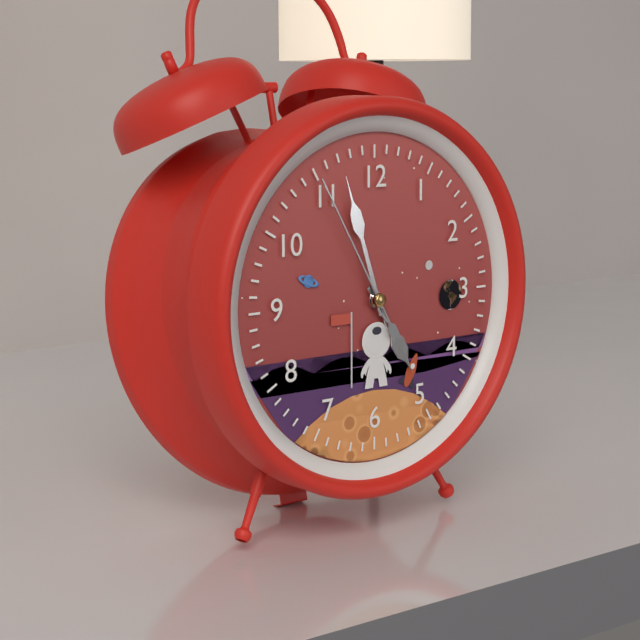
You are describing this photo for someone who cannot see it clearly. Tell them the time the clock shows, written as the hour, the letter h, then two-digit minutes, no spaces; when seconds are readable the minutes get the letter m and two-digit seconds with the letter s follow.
4h57m55s
